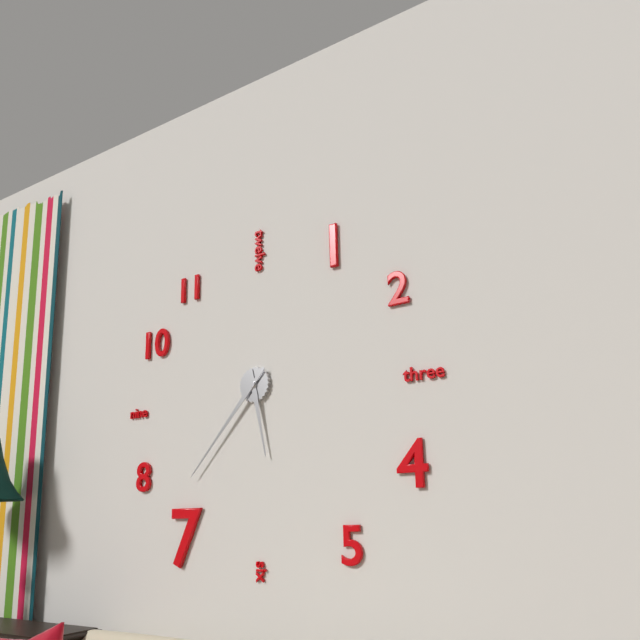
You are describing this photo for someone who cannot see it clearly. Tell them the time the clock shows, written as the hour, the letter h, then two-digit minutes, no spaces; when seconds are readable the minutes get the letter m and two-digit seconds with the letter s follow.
5h37
